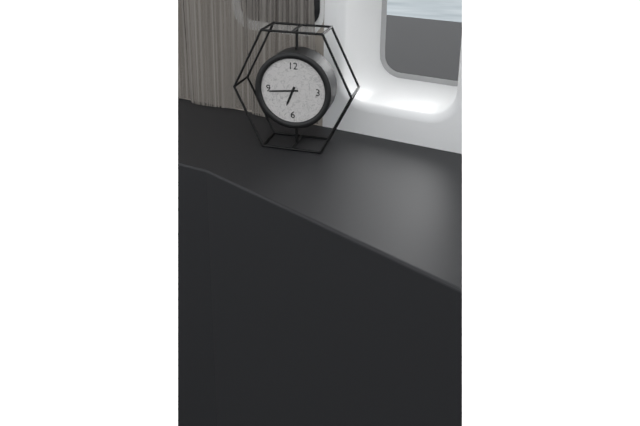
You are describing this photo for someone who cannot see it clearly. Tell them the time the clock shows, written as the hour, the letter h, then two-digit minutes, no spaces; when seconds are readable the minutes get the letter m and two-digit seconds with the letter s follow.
6h44
